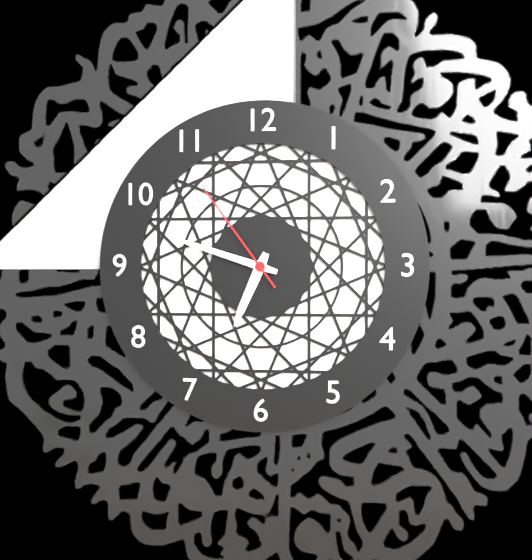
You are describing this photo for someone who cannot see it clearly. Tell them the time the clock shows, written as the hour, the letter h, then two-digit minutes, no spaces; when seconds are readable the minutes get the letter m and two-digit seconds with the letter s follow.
6h48m54s
